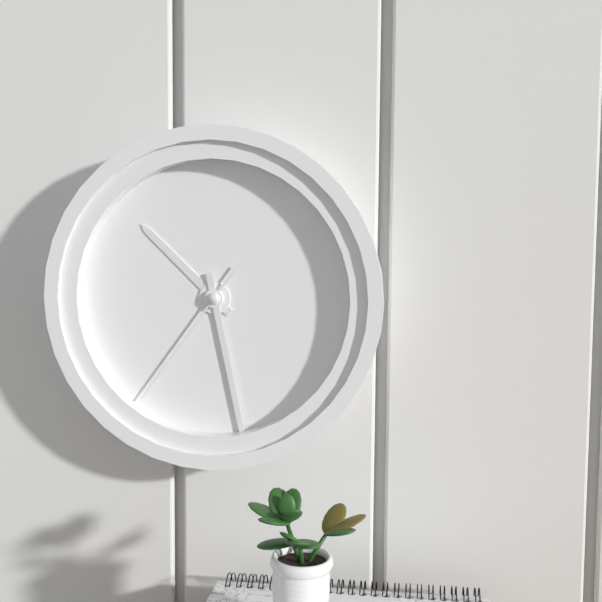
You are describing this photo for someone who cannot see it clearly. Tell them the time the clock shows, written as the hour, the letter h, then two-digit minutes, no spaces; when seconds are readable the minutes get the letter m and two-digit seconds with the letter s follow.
10h28m36s
